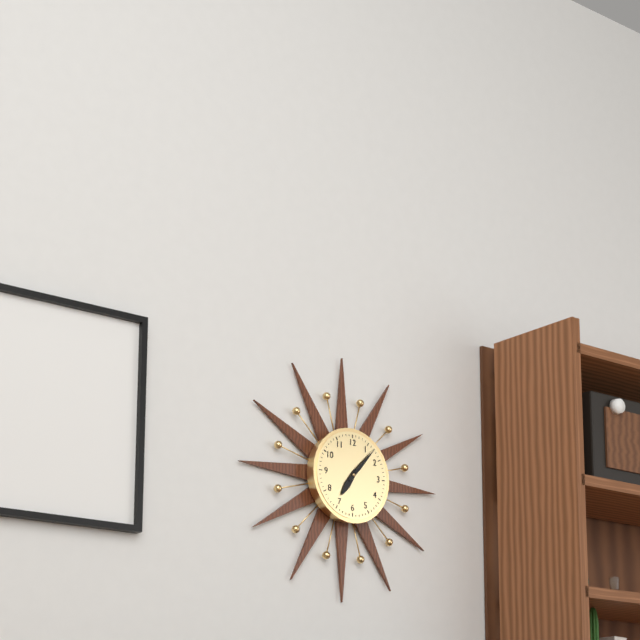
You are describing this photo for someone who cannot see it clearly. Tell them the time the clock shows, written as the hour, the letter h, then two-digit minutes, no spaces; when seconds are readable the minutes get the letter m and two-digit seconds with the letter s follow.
7h07
